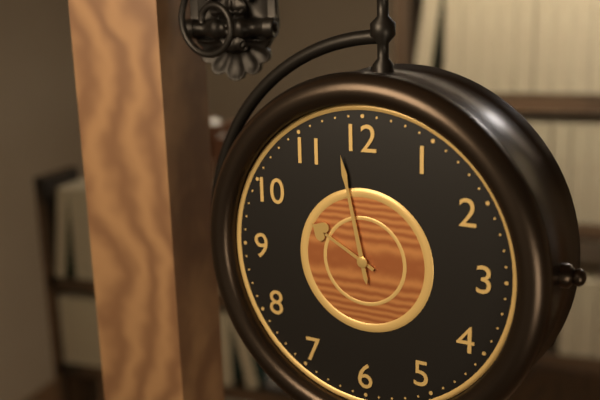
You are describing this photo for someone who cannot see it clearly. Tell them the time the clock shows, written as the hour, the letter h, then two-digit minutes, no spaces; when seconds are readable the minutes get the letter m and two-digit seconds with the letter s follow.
9h58
